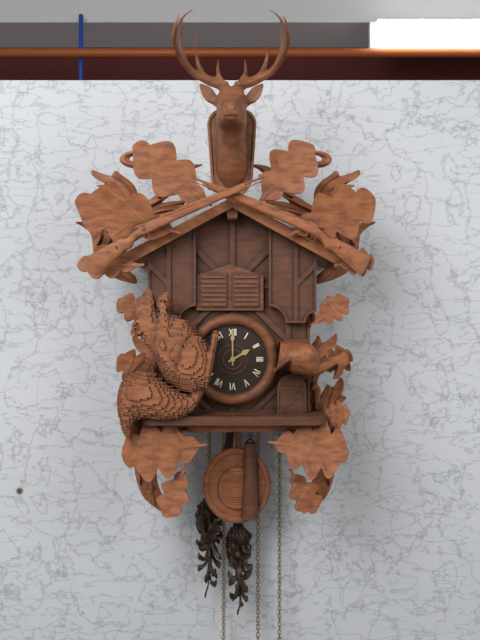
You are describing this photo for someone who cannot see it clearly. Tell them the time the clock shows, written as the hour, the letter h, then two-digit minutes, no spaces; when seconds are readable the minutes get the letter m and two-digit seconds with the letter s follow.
2h00
